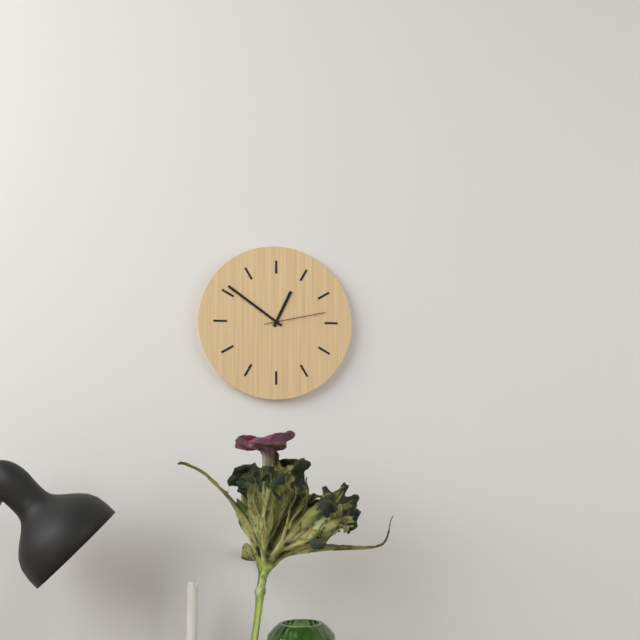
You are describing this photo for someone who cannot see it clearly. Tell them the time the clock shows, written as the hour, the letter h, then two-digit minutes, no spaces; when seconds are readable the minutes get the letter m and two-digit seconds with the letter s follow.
12h51m13s
